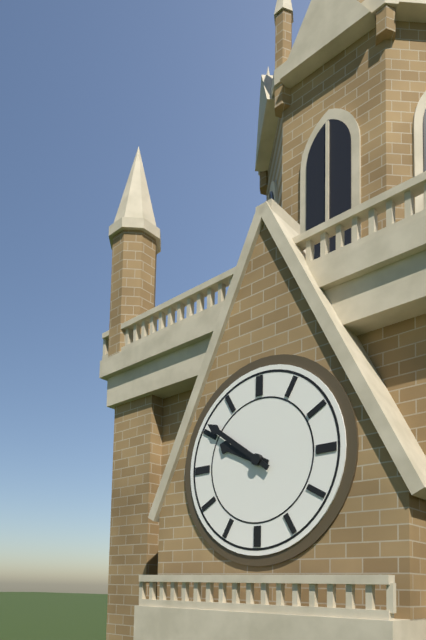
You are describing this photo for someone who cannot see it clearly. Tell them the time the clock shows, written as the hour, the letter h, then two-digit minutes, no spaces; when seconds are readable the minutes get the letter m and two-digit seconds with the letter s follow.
9h51
